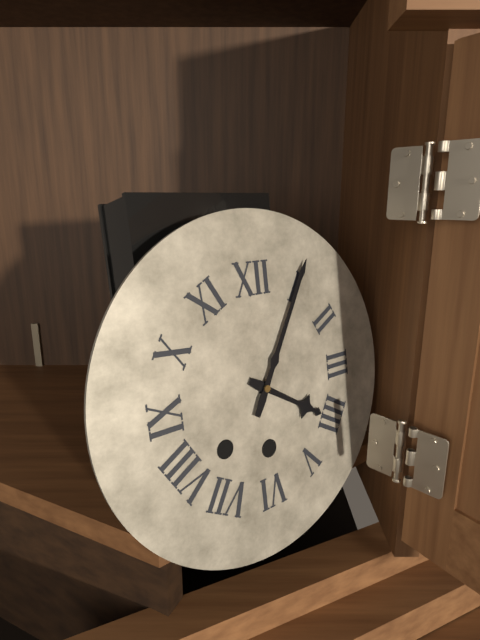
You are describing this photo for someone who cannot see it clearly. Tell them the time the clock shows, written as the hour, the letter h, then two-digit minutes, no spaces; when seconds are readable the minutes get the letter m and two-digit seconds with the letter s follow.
4h05
